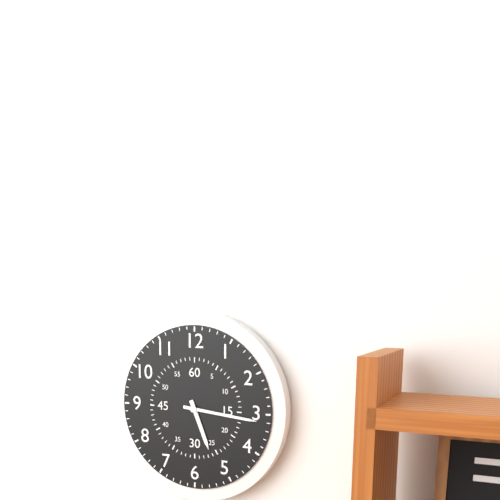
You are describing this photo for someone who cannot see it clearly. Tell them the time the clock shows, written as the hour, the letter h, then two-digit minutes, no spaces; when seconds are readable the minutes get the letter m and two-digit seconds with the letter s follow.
5h16
